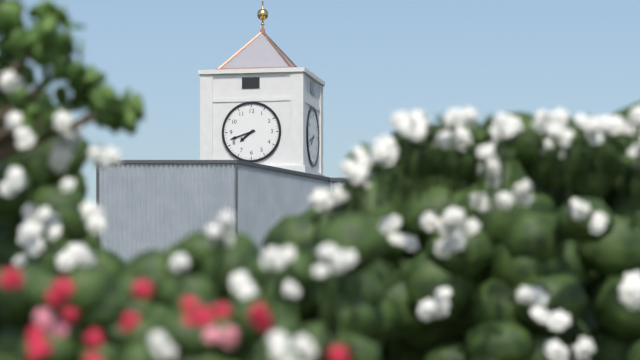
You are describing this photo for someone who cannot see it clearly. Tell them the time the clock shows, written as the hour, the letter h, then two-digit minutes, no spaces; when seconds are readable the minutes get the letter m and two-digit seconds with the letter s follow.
7h42
